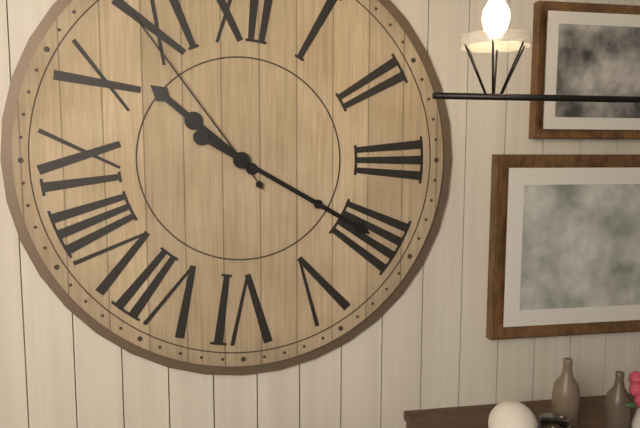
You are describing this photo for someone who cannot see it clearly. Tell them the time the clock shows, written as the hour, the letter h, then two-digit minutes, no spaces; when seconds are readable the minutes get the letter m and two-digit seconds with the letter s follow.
10h20m54s
